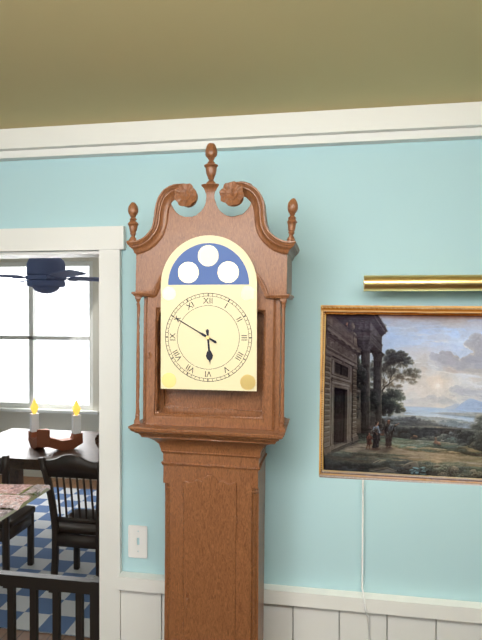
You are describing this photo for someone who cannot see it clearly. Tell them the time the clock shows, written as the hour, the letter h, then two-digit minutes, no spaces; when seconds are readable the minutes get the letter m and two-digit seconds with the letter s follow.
5h50
